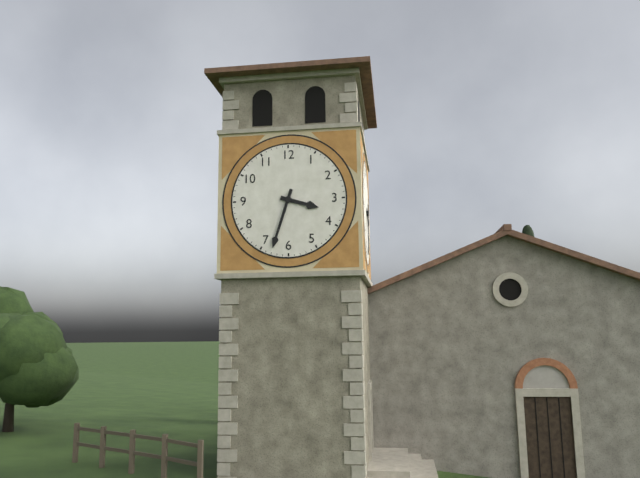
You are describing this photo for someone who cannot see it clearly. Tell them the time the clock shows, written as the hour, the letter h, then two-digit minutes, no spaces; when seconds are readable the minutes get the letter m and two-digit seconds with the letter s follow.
3h33
